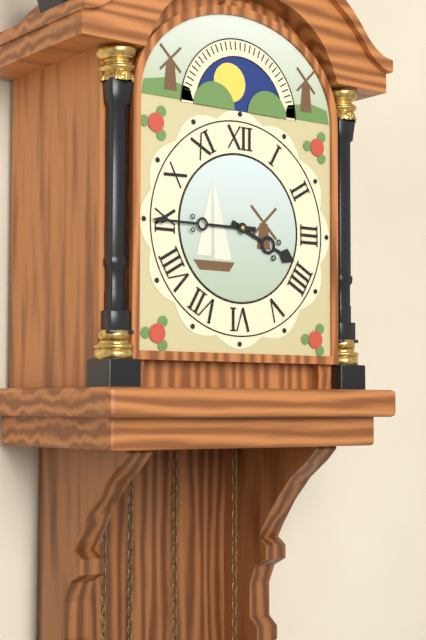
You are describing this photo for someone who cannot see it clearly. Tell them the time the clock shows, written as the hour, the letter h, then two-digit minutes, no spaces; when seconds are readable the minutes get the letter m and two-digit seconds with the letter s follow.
3h45
